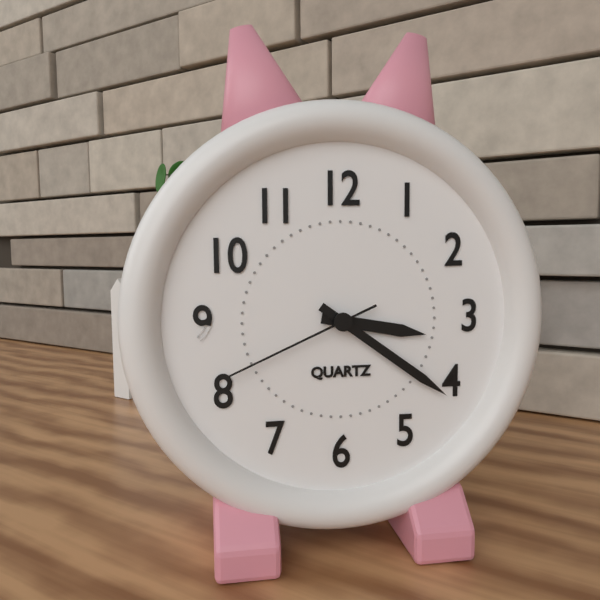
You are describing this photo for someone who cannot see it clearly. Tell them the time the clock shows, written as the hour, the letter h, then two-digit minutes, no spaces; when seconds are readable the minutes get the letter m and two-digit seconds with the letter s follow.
3h21m41s
